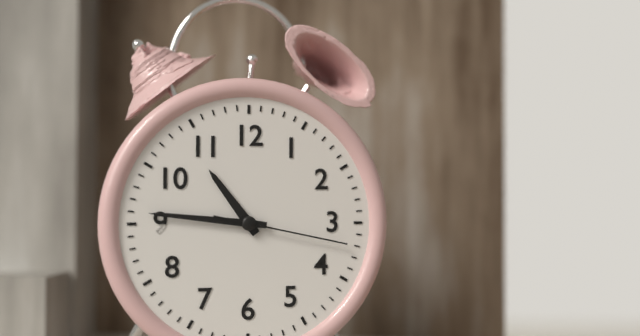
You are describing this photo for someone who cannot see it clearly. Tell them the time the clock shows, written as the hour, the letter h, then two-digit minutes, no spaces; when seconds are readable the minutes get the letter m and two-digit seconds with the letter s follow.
10h46m17s
